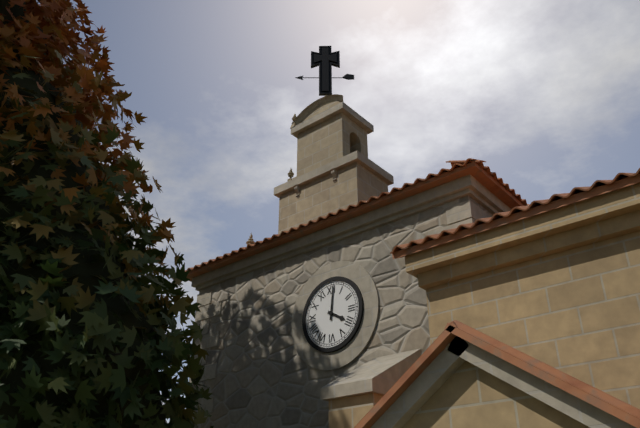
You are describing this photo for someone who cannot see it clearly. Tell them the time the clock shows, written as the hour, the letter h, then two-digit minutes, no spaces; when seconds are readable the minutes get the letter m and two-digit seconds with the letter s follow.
4h01
